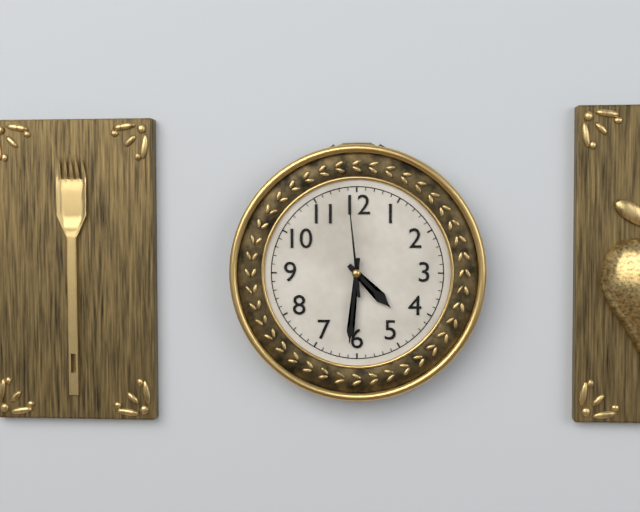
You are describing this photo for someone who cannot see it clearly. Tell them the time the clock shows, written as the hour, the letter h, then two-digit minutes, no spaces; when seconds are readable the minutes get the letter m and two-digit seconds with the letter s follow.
4h31m59s
